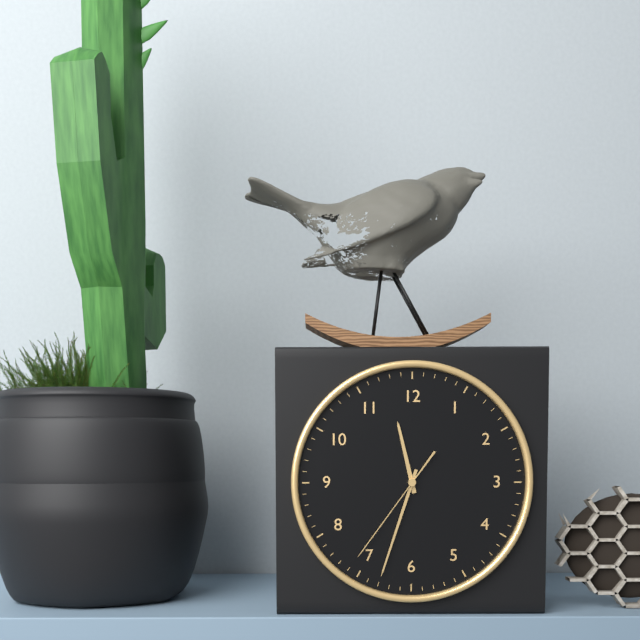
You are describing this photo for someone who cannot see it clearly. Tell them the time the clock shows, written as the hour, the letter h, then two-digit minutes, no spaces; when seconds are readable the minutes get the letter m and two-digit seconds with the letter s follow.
11h33m36s
